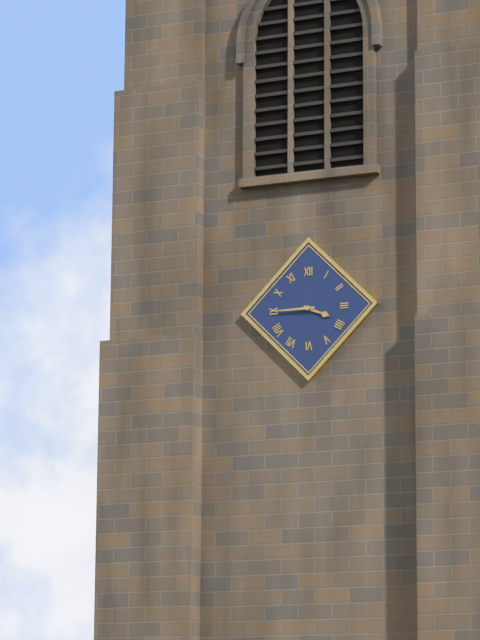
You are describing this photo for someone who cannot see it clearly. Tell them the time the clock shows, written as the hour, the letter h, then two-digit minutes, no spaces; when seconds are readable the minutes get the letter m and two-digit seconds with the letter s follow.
3h45
